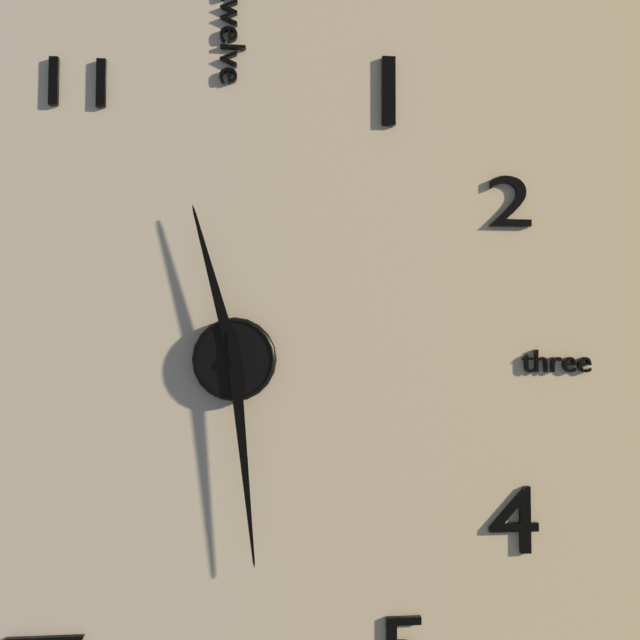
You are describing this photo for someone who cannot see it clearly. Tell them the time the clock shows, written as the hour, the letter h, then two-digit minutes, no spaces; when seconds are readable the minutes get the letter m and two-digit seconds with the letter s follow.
11h29
